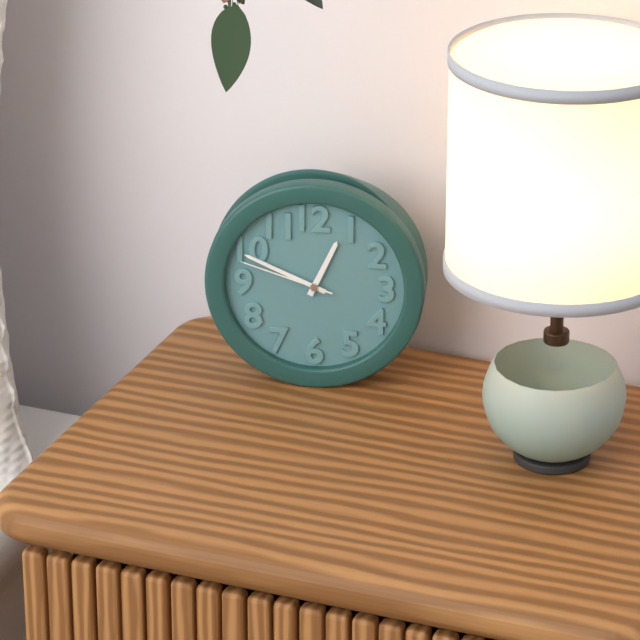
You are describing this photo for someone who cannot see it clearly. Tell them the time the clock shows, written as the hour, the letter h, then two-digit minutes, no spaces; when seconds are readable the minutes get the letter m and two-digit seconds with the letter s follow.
12h49m48s
